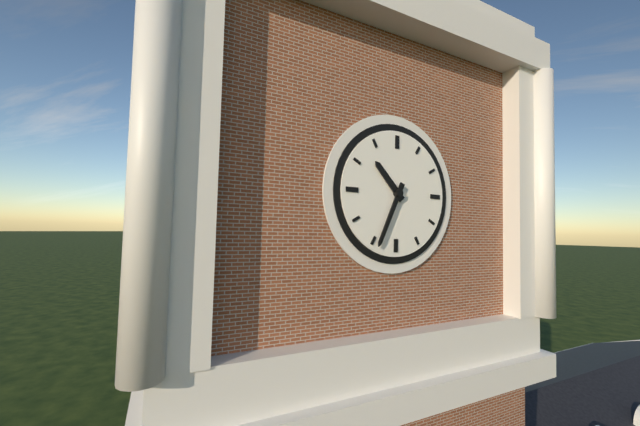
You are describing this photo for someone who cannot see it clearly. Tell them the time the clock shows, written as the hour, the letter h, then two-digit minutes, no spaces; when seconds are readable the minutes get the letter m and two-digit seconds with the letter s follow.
10h34
